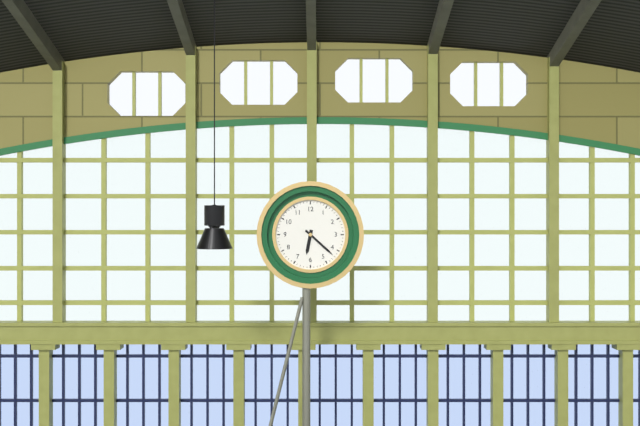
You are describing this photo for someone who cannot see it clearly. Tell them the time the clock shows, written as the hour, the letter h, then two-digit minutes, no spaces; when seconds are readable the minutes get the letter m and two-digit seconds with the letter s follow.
6h22
